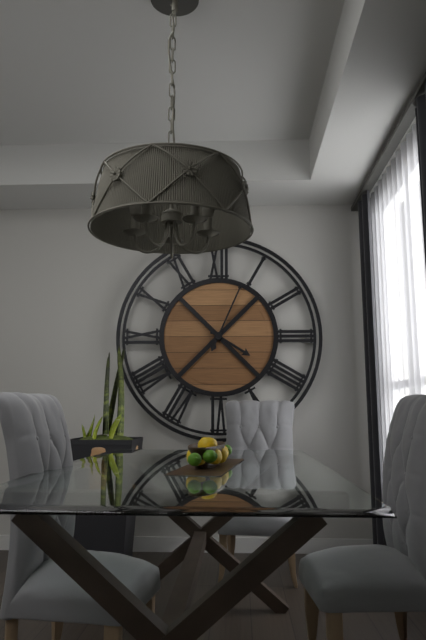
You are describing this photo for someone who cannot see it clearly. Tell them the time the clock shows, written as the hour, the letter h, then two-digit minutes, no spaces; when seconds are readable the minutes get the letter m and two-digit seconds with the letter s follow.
4h04
